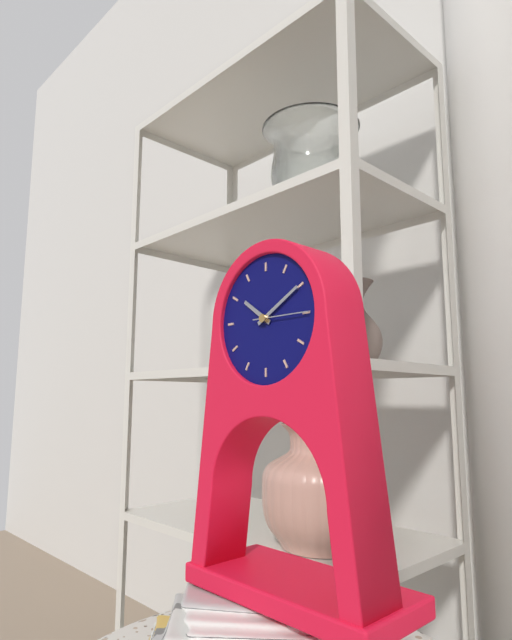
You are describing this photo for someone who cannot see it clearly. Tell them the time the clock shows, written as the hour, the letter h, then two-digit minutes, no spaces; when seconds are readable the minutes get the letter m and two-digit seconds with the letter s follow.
10h10m15s
